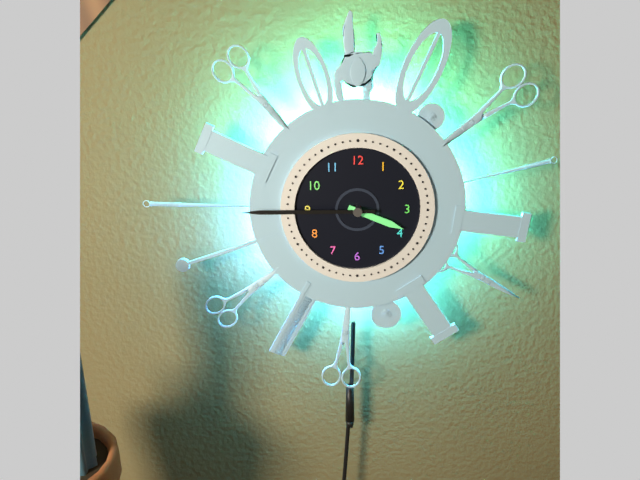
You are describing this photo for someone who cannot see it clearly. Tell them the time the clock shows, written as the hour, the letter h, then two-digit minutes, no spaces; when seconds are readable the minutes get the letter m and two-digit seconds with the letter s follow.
3h45
